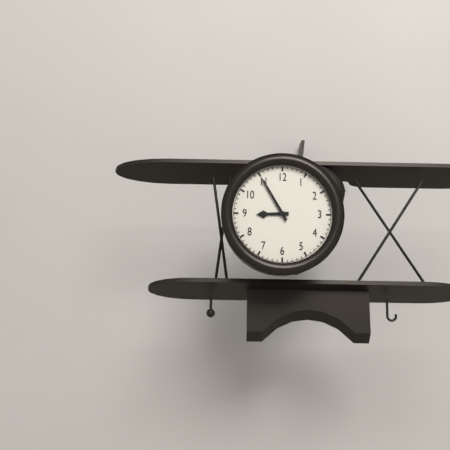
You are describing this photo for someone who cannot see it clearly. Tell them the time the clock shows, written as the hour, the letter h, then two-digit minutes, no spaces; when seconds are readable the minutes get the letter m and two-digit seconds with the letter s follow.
8h55
